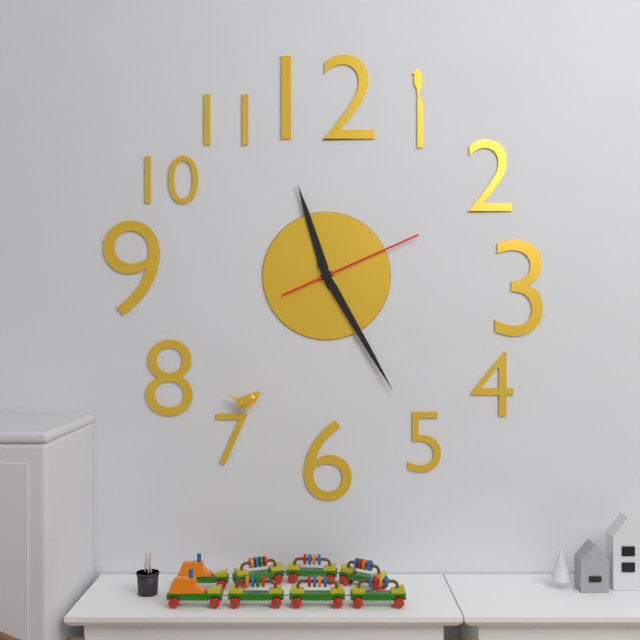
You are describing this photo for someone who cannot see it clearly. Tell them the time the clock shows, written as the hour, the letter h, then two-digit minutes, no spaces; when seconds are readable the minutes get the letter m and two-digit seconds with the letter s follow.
11h25m11s
